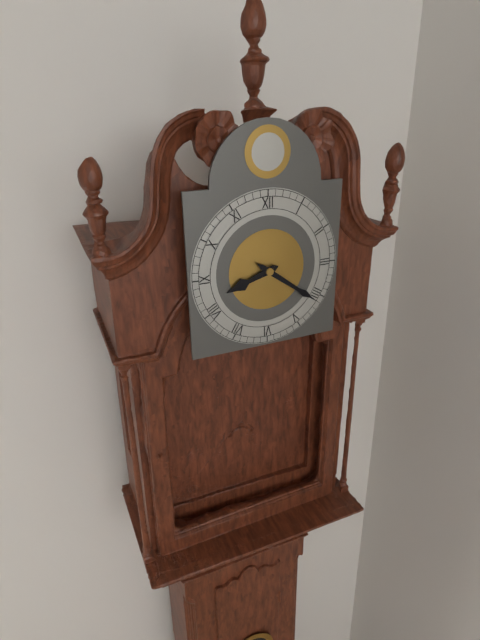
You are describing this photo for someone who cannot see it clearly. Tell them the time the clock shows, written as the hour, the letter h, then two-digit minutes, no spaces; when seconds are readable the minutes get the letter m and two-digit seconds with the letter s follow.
8h21
